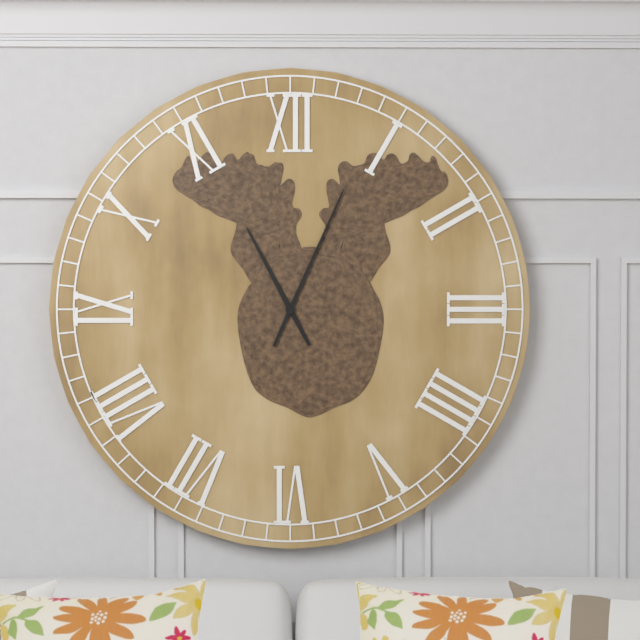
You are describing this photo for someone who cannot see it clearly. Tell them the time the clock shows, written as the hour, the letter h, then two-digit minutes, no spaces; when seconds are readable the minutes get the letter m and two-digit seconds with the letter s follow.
11h04
